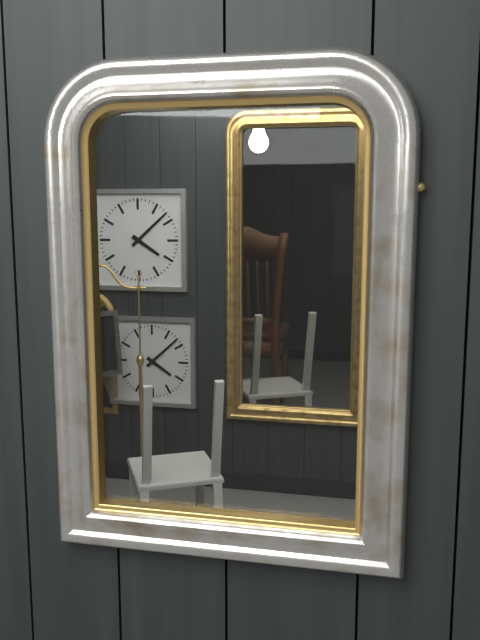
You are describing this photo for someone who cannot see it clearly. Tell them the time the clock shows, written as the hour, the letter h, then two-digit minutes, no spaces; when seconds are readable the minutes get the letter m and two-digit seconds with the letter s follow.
4h08
